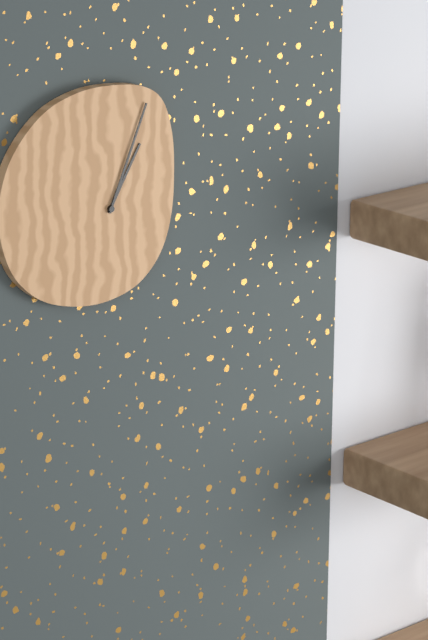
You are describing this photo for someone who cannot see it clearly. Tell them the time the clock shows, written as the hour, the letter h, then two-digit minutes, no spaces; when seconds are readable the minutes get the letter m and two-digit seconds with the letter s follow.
1h04
